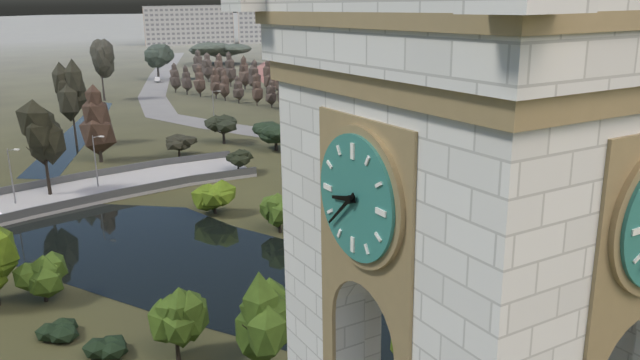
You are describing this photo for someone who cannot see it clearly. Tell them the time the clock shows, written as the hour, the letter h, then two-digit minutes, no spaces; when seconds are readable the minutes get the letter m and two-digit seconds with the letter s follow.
8h38
